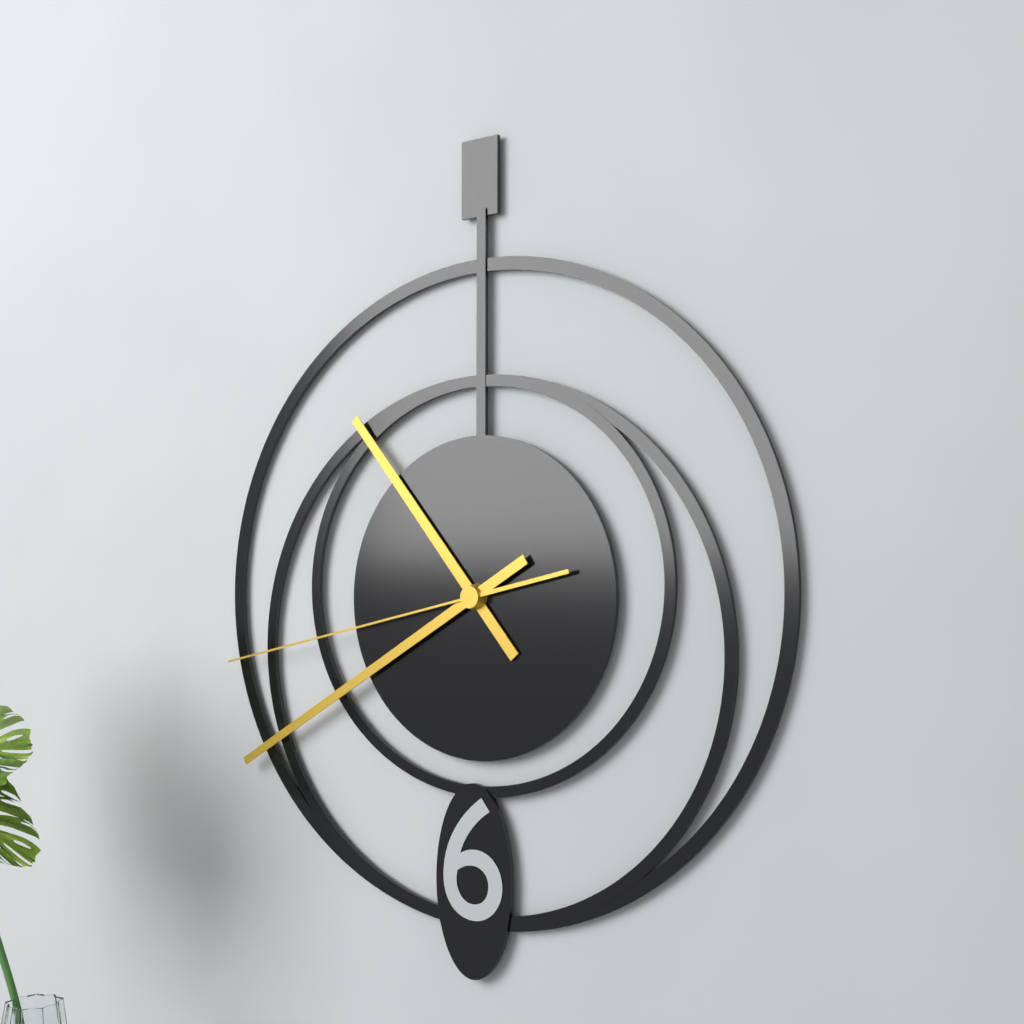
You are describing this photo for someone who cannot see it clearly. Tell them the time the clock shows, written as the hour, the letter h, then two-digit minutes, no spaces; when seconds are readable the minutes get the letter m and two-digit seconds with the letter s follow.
10h40m43s
